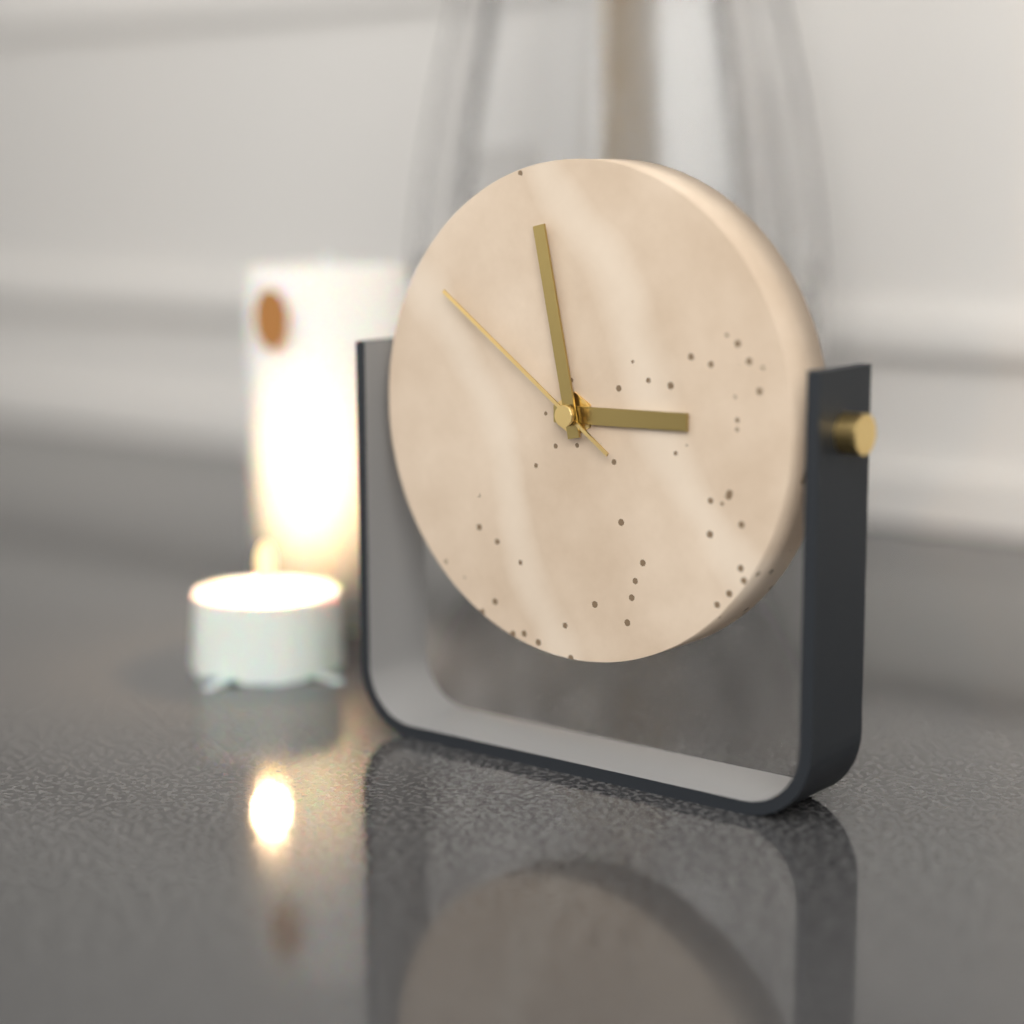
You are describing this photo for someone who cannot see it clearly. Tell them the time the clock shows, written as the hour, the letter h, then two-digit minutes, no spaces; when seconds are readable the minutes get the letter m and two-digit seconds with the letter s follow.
2h58m51s
